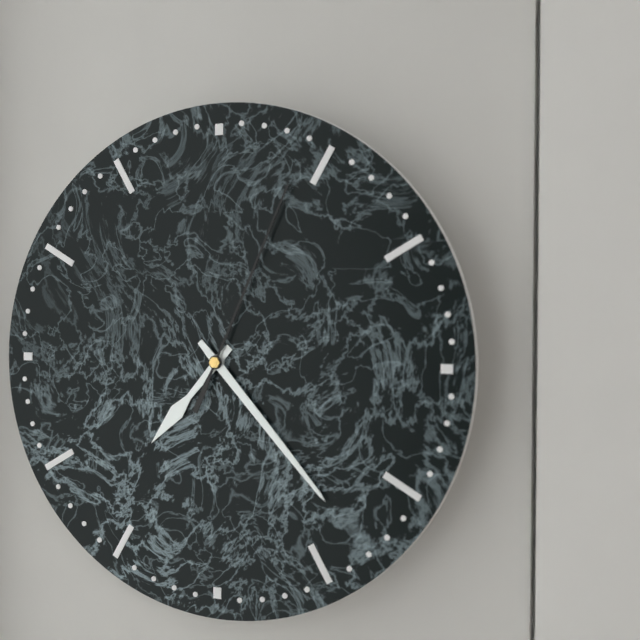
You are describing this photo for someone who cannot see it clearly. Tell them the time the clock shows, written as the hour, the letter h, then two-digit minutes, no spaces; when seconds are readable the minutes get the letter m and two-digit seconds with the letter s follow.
7h23m04s
